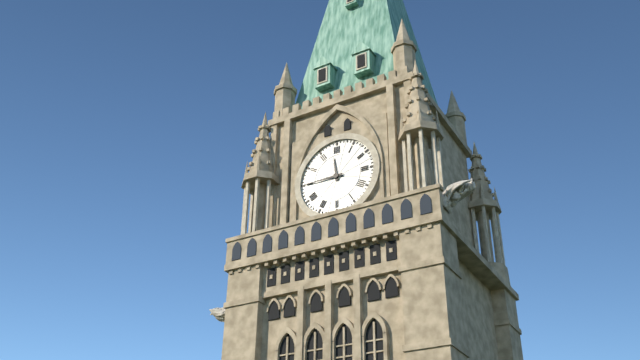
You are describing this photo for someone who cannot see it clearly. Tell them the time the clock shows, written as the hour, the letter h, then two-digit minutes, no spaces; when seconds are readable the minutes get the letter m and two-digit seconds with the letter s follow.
11h45
